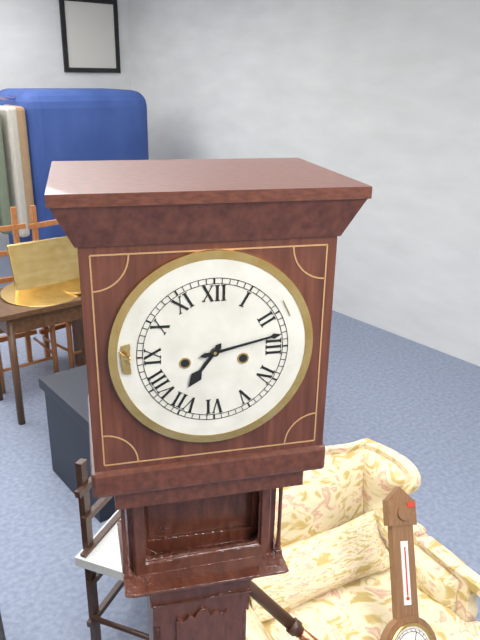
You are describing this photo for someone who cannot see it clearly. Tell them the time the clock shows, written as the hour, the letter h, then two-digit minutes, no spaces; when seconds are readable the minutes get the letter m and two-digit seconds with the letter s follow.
7h13
